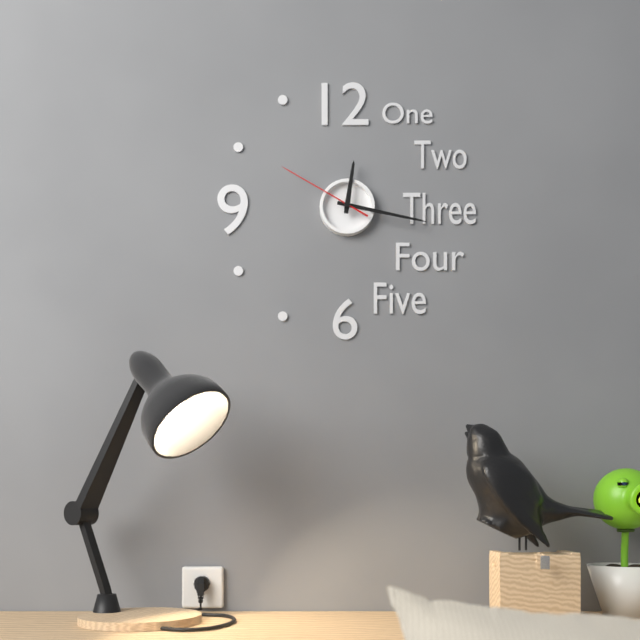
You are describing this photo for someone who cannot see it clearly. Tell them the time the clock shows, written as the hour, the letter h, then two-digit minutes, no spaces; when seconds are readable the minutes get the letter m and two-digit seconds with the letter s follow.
12h17m50s
